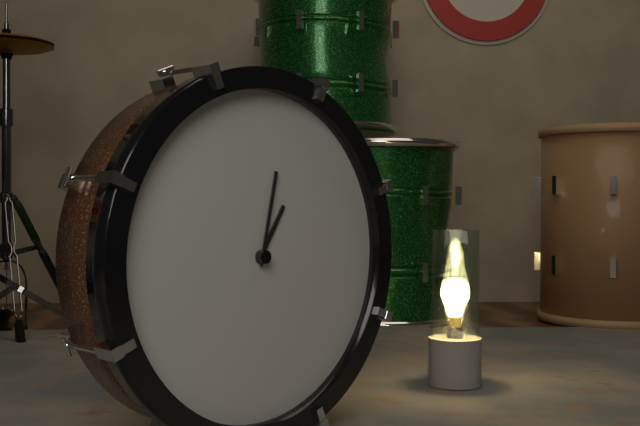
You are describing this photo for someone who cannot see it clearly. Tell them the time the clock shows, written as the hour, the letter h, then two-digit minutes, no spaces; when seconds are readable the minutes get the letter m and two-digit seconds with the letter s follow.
1h02
